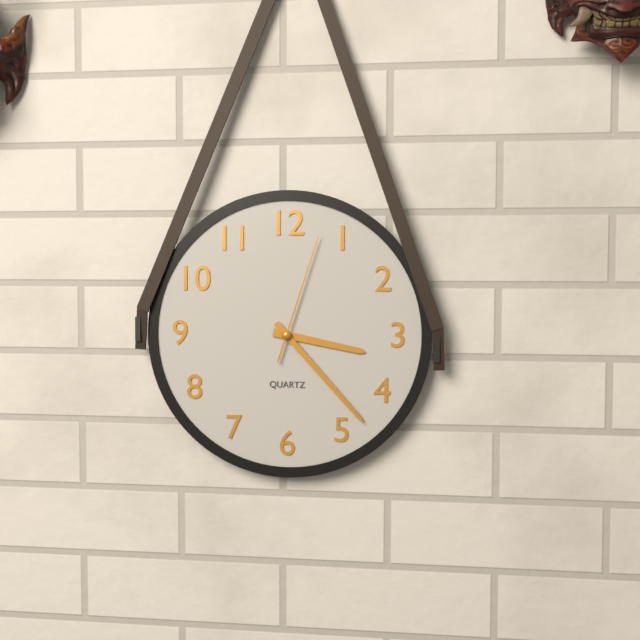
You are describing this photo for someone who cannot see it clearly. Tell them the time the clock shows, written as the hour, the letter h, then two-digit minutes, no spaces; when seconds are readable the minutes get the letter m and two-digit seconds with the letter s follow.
3h23m03s
